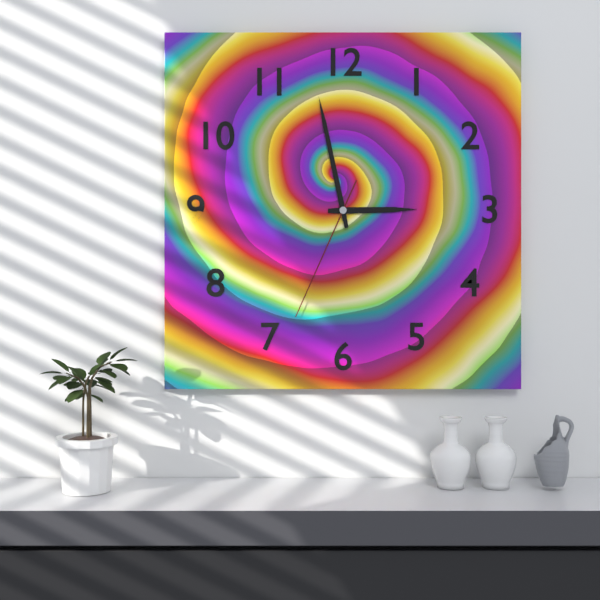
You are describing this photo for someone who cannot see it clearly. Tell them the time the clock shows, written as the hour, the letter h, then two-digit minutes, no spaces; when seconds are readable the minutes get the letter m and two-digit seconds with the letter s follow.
2h58m34s
